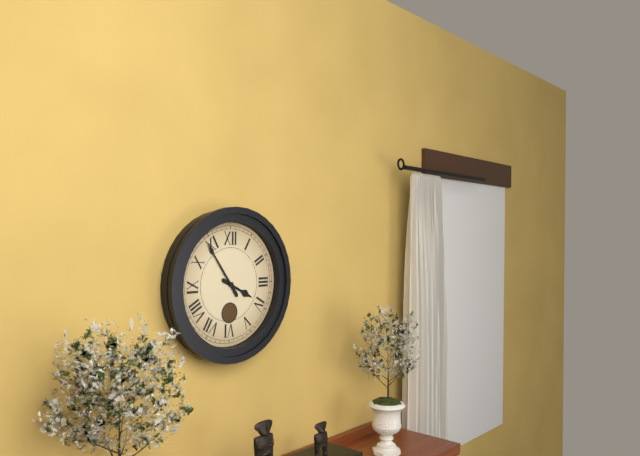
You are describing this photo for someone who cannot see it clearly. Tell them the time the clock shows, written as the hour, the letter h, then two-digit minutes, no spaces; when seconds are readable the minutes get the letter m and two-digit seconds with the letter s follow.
3h54
